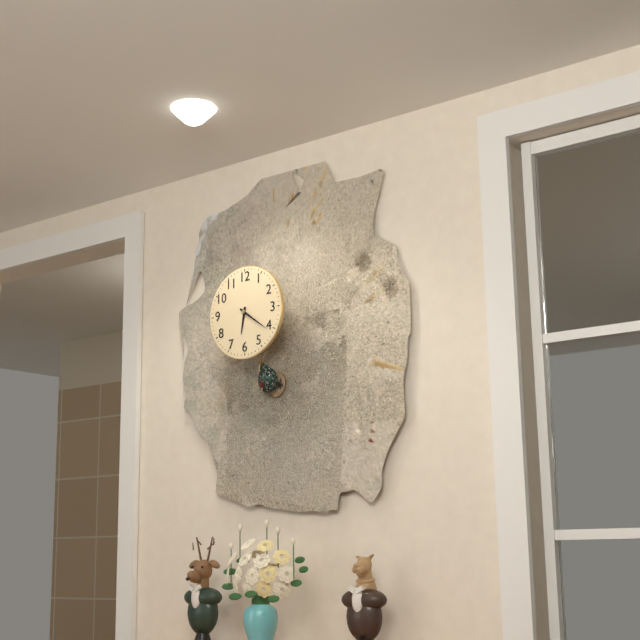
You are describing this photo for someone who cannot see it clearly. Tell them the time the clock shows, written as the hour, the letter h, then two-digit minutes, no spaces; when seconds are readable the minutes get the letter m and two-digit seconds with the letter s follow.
6h21
